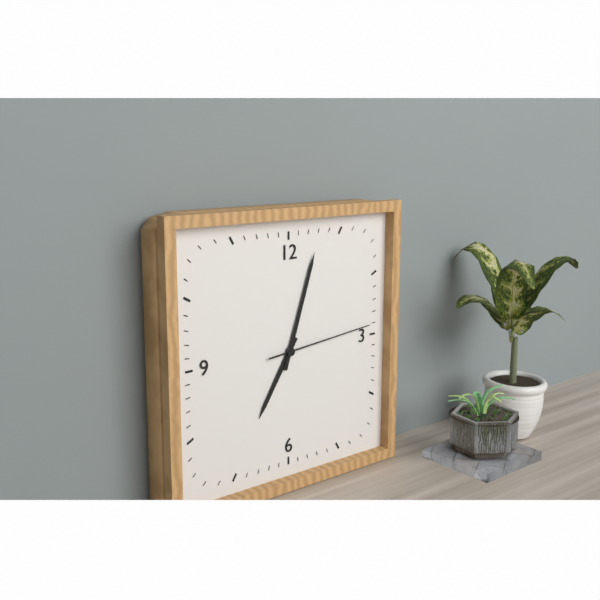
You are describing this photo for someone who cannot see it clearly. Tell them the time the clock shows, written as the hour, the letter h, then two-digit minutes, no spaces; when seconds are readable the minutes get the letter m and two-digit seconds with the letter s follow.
7h03m14s
